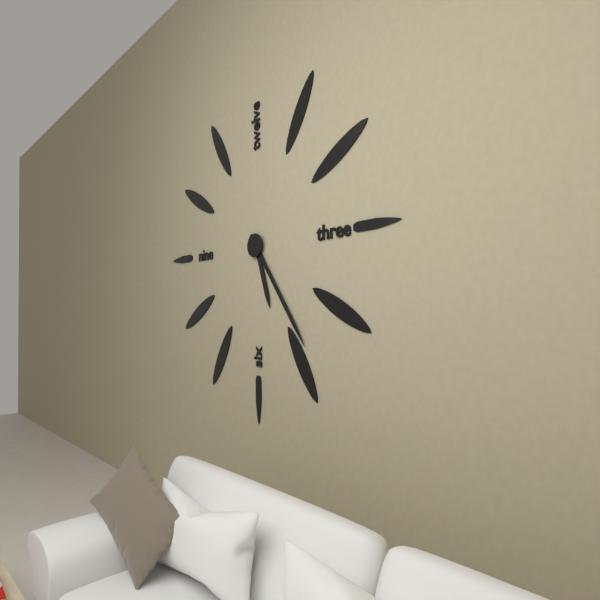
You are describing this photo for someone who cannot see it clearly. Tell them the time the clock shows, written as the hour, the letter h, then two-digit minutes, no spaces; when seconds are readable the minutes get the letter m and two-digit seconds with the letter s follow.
5h24
